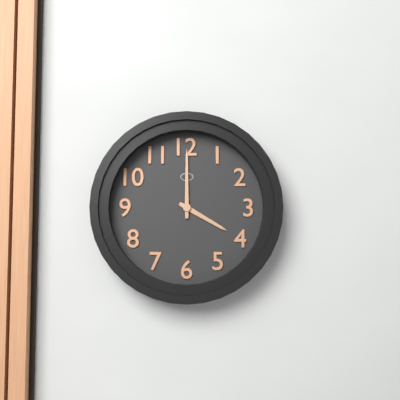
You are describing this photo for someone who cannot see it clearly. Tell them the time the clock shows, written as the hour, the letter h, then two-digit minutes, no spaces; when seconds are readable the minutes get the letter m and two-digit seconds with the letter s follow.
4h00
